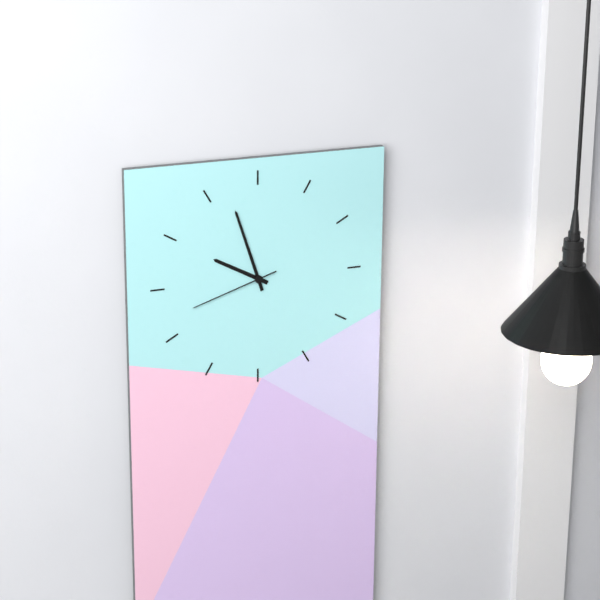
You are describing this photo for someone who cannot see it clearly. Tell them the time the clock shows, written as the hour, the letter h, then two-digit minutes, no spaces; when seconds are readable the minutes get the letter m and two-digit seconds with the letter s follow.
9h57m42s
